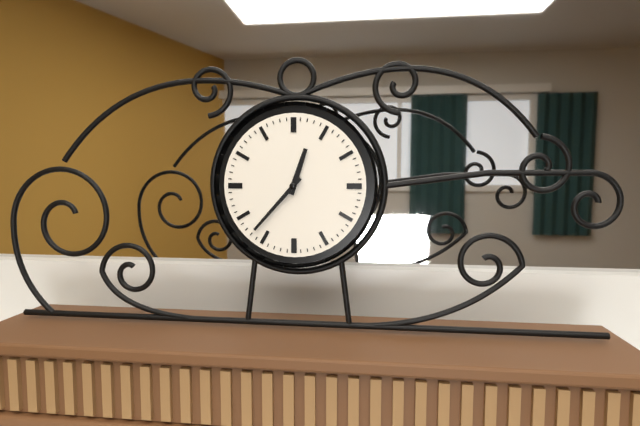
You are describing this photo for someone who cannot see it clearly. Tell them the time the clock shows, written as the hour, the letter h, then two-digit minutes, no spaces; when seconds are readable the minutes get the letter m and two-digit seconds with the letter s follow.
12h37
